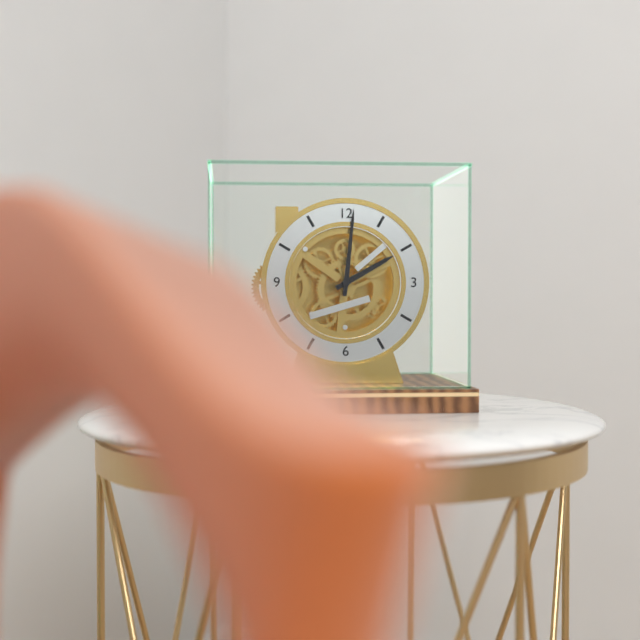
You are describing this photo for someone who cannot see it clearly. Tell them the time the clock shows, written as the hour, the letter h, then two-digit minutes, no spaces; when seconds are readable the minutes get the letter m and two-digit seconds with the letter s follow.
2h01
